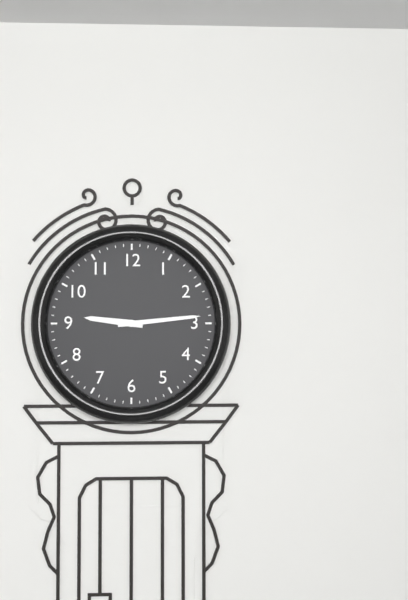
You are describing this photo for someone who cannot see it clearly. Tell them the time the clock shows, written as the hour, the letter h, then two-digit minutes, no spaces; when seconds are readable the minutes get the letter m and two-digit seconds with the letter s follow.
9h14
